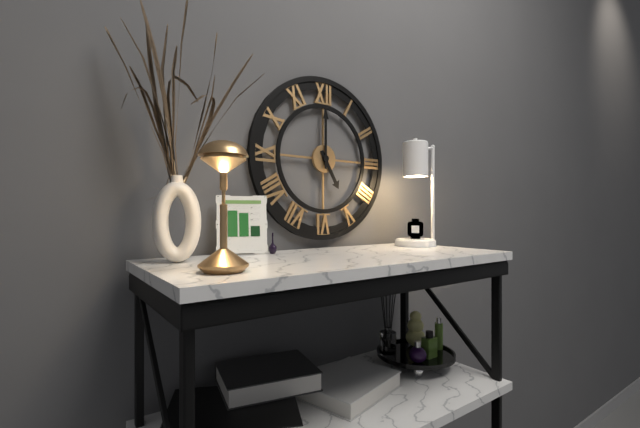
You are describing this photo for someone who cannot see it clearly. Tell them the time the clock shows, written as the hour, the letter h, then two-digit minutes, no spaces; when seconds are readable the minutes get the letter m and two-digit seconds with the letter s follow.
5h00
